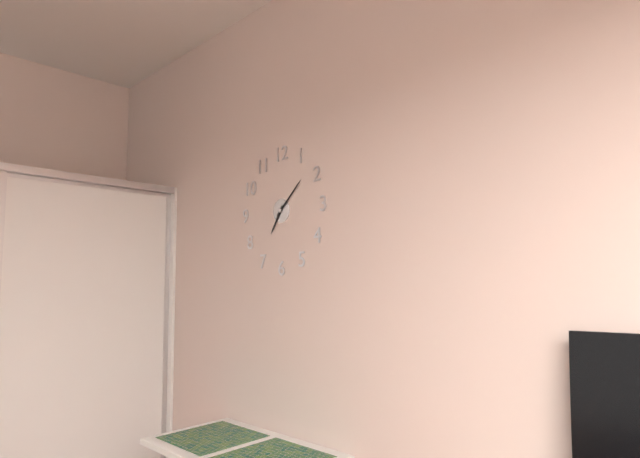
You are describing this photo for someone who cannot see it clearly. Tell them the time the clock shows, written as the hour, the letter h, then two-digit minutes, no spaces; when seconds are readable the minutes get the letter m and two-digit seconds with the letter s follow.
7h08
